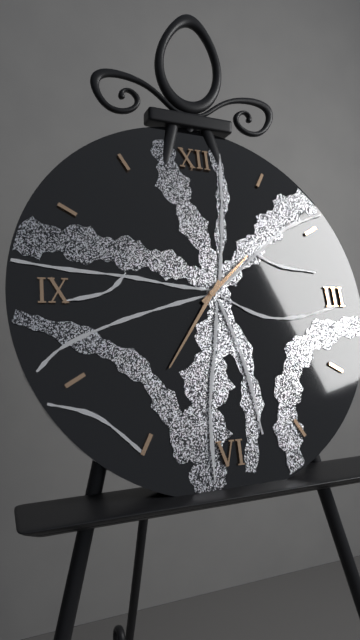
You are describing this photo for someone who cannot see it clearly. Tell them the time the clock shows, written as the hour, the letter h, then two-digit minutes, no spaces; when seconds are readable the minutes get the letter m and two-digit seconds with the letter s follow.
1h36
